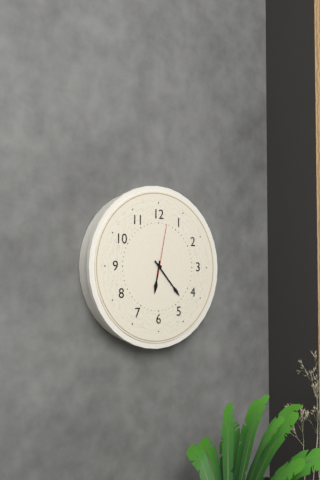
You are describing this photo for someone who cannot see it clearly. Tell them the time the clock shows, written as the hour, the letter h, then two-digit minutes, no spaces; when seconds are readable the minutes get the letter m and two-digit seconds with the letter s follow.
6h23m02s
